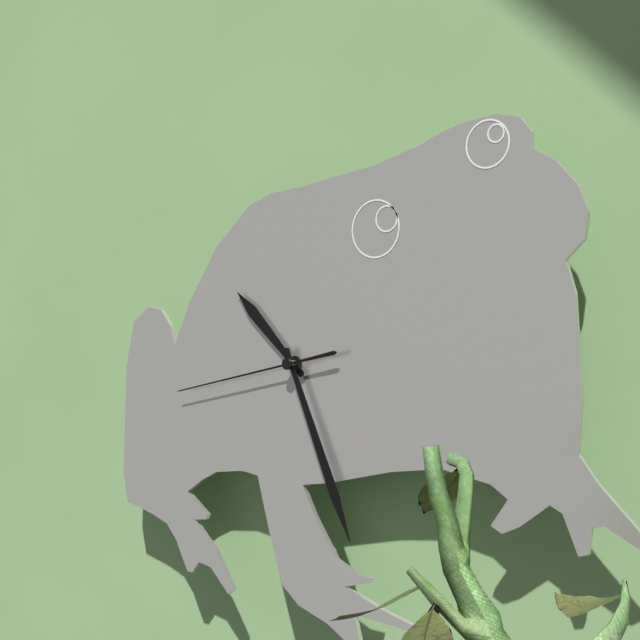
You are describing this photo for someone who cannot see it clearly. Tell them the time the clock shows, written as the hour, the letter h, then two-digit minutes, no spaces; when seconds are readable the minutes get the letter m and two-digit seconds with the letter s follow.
10h26m43s
